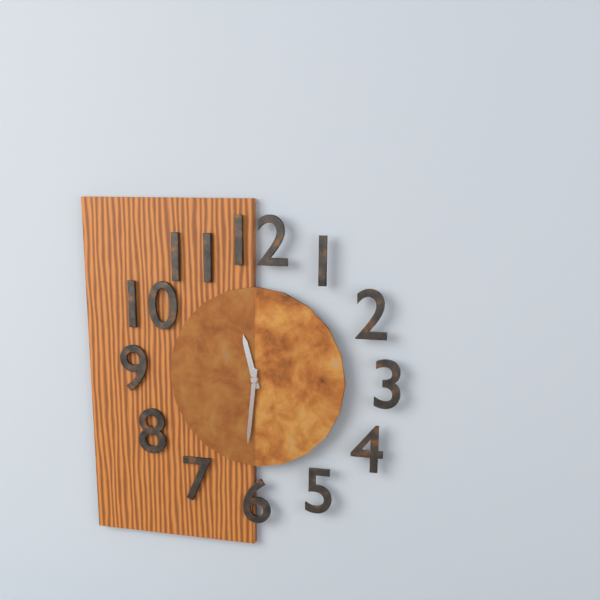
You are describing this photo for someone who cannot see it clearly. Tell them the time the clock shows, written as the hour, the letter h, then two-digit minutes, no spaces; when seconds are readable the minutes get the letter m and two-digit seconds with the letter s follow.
11h31
